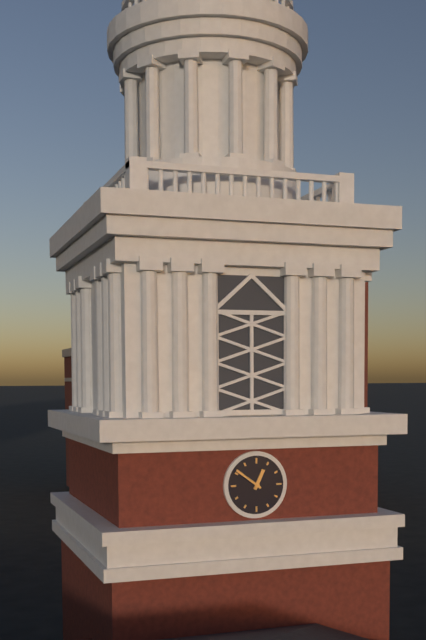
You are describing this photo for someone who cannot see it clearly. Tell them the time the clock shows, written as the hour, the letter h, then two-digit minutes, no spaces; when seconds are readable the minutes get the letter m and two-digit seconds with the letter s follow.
12h51
